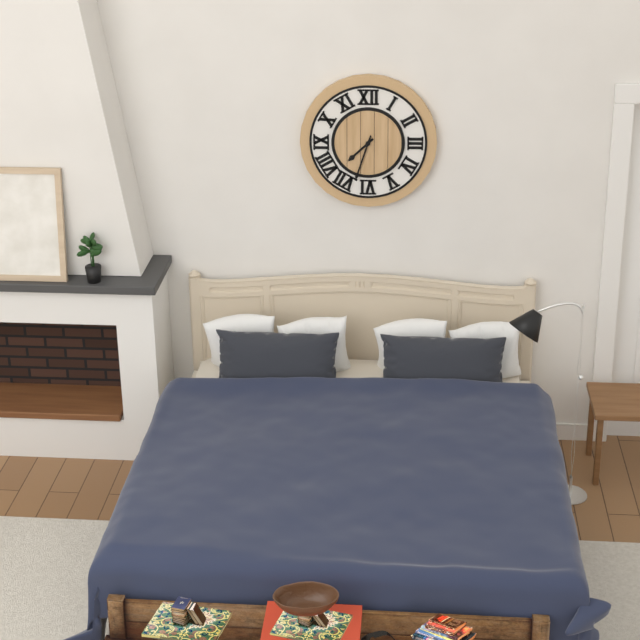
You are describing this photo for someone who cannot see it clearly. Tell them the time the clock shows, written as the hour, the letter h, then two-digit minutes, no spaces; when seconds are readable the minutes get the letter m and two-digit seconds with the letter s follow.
7h33
